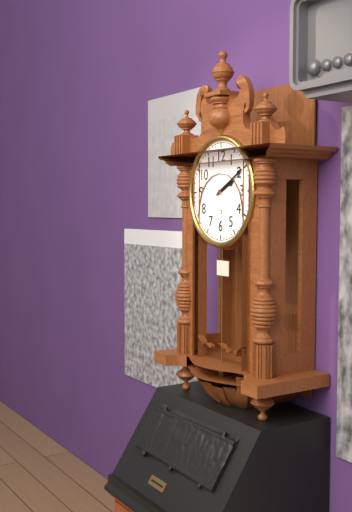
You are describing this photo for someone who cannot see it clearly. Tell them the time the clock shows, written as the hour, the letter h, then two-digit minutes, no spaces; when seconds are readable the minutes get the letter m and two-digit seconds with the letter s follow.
2h10
